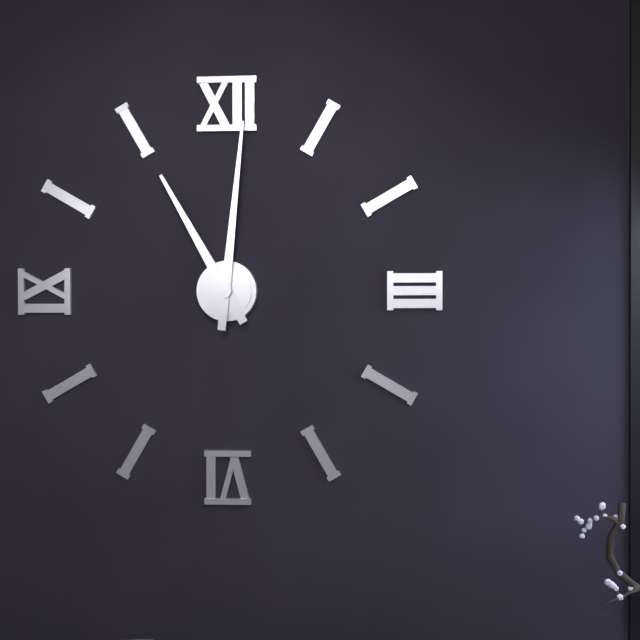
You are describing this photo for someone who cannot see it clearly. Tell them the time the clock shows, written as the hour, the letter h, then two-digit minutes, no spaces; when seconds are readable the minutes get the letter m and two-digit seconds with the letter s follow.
11h01
